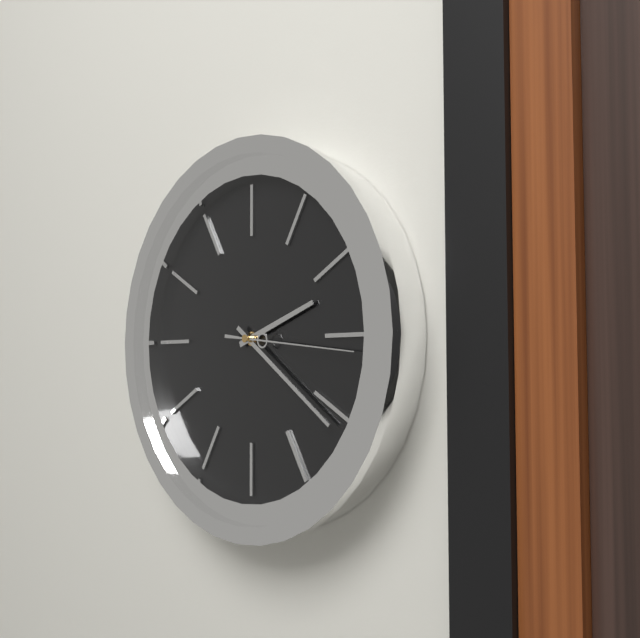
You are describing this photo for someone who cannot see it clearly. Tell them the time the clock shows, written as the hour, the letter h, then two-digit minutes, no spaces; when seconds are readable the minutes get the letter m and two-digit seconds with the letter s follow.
2h21m16s
